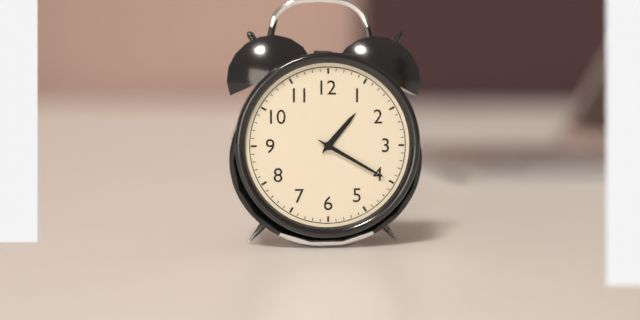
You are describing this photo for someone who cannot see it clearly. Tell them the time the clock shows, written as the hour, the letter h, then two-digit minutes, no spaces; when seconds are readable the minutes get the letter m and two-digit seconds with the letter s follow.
1h20
